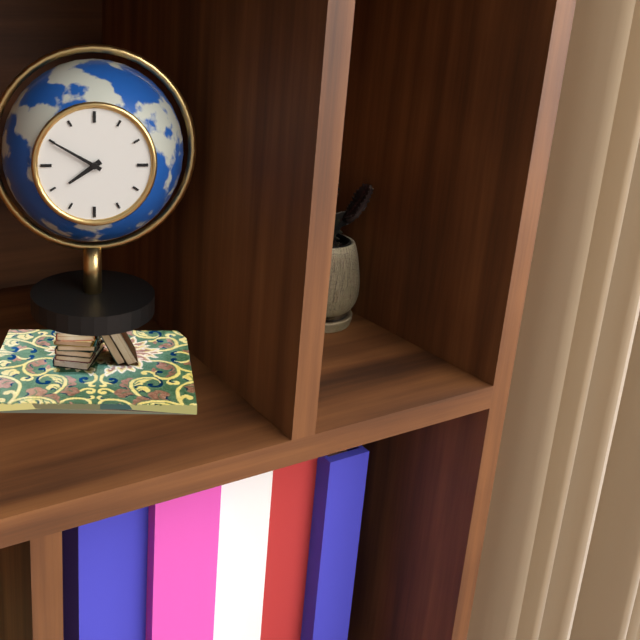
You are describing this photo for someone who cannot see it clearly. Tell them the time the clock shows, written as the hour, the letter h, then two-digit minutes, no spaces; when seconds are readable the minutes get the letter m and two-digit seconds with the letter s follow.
7h50
